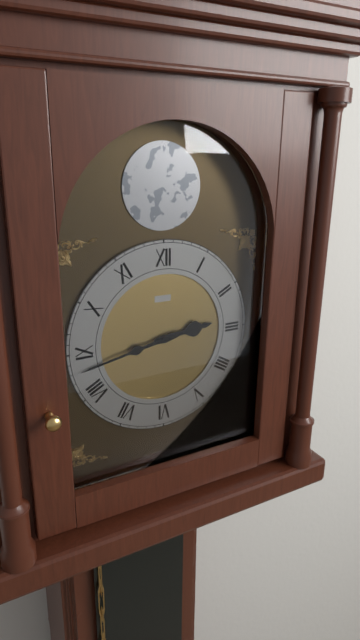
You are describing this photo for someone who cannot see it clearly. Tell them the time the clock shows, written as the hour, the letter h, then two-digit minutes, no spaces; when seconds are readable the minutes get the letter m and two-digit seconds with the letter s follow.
2h43
